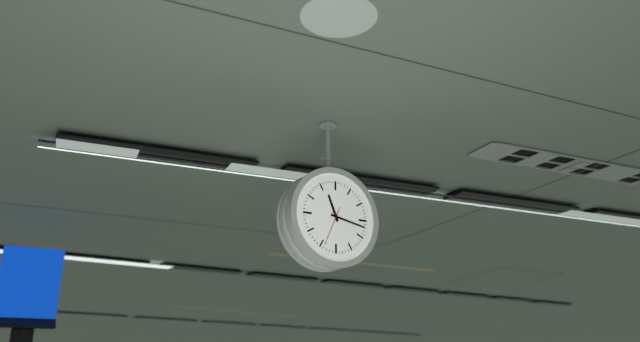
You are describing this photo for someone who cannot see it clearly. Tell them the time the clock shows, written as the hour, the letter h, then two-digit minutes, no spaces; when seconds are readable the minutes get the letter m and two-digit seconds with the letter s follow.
11h17
